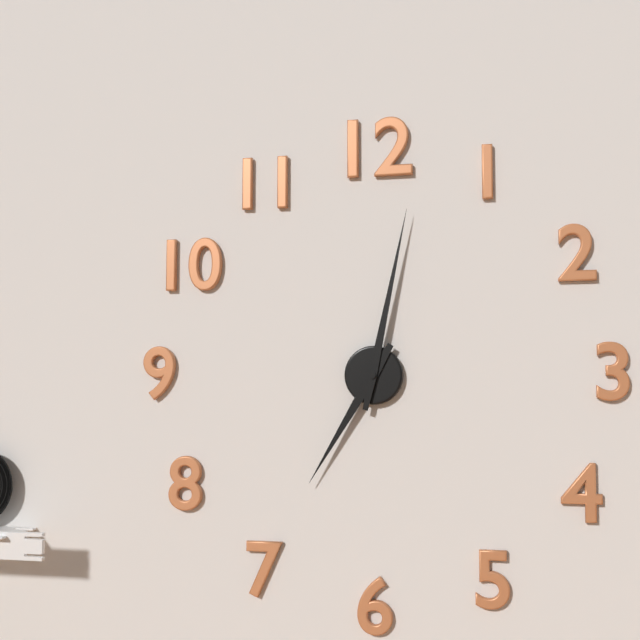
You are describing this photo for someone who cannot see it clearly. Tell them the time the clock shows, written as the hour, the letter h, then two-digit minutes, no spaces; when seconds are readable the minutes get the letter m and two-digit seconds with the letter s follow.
7h02
